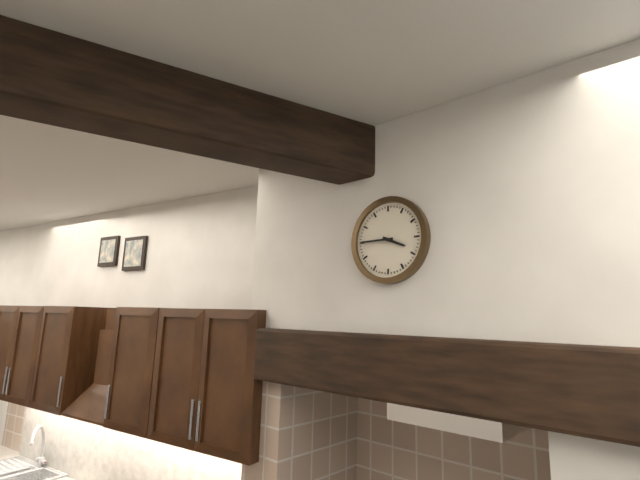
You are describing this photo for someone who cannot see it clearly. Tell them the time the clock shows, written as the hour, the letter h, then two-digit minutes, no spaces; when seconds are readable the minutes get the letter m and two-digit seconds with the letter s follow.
3h45
